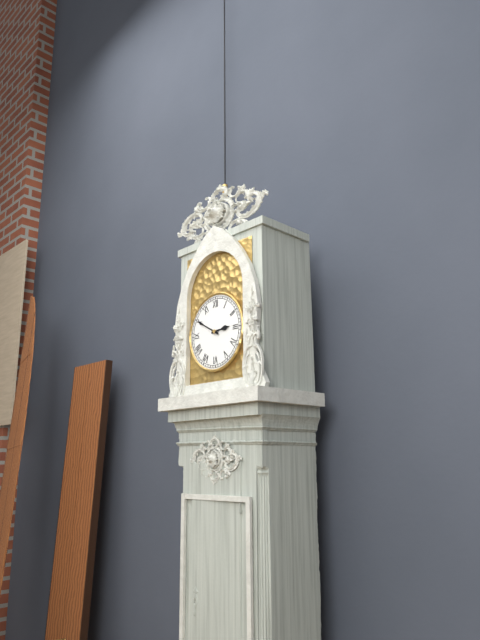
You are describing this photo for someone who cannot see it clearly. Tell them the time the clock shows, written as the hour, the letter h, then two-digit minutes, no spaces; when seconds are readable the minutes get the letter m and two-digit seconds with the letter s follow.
2h50
